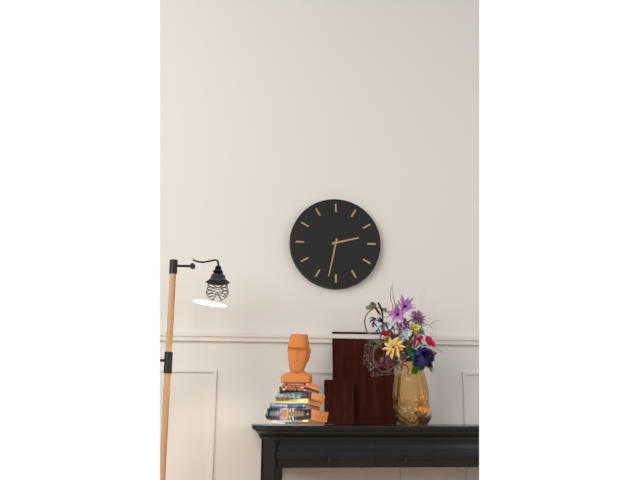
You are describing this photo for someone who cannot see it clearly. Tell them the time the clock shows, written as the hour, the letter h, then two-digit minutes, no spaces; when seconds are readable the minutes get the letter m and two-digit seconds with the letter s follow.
2h32
